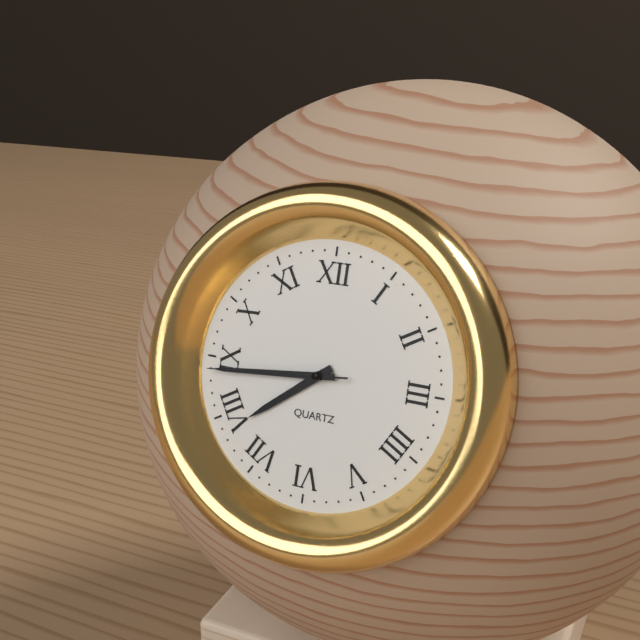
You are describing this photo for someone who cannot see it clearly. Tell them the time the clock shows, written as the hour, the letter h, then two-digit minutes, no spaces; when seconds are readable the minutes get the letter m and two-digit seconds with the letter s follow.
7h44m44s
